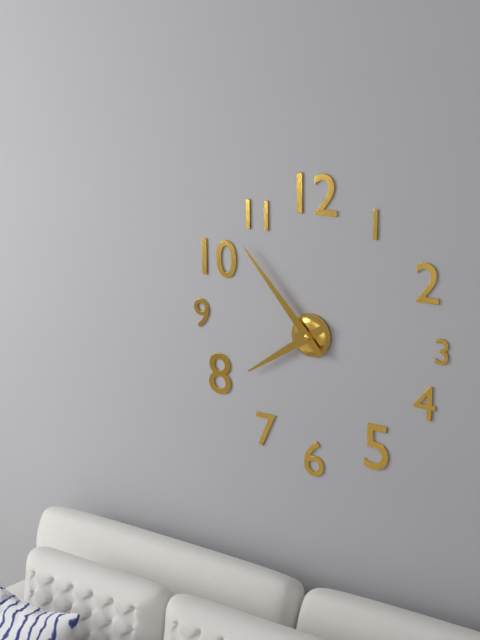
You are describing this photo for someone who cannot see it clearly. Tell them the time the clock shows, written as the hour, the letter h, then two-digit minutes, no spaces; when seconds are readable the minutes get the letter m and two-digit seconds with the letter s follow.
7h53
